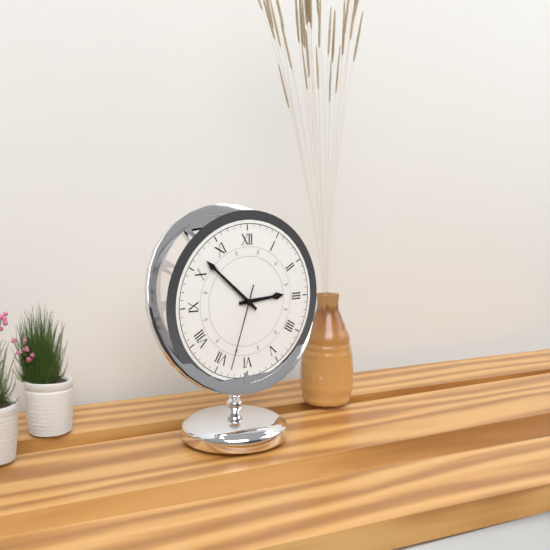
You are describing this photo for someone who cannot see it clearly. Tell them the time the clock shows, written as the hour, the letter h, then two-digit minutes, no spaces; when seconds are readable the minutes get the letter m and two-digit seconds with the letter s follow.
2h52m33s
